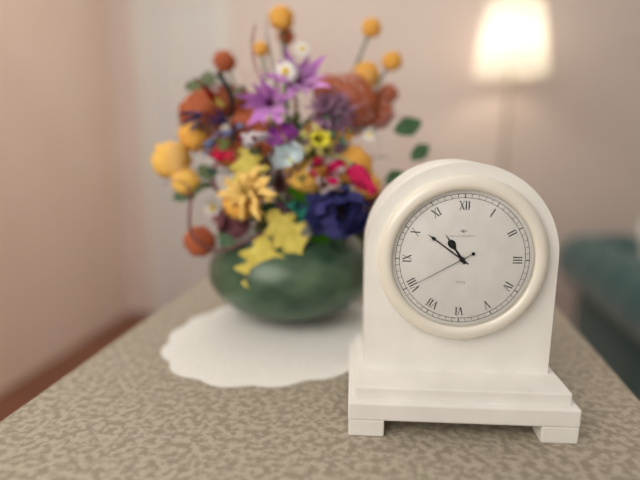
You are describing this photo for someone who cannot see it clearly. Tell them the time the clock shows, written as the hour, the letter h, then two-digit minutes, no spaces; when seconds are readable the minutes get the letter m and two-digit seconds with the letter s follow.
10h51m40s
